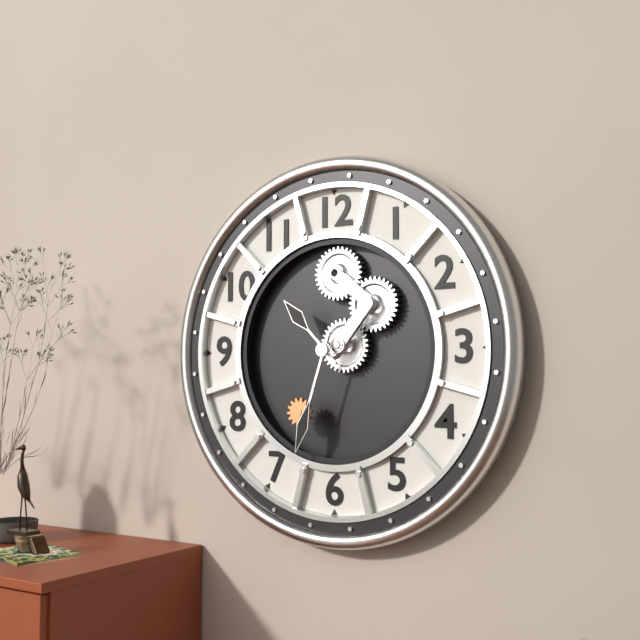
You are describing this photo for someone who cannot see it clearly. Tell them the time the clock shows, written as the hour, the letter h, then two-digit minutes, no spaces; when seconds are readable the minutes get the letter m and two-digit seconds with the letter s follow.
10h33
